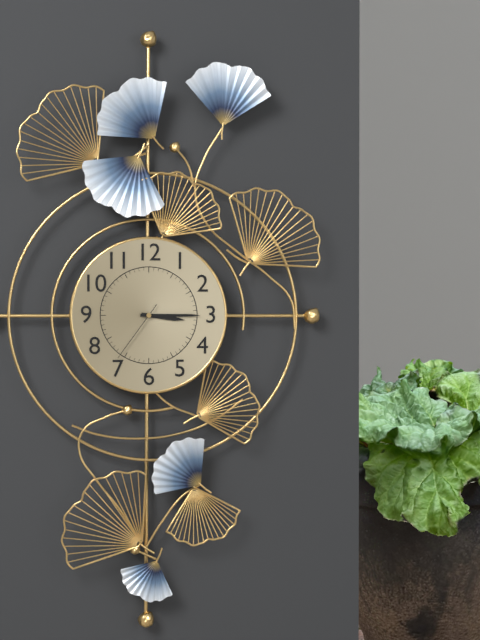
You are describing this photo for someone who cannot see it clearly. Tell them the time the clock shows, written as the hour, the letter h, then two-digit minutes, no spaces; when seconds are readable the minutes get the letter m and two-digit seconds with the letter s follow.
3h15m36s
